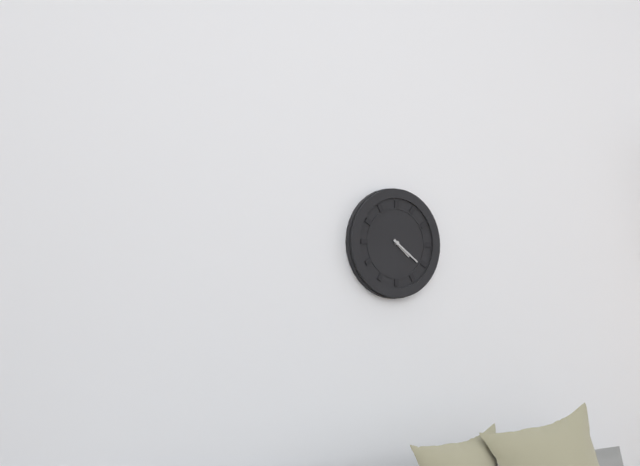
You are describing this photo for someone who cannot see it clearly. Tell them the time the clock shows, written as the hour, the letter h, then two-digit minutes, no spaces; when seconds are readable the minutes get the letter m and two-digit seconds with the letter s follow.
4h21
